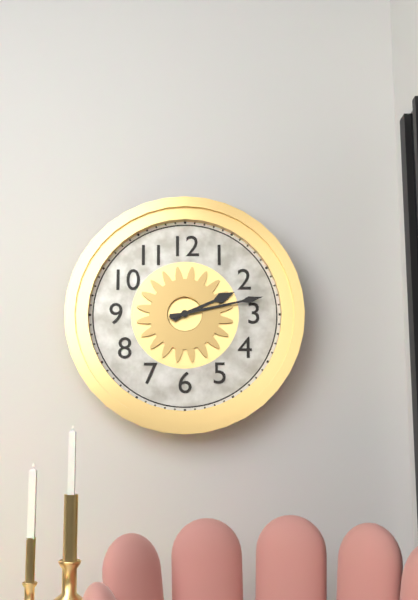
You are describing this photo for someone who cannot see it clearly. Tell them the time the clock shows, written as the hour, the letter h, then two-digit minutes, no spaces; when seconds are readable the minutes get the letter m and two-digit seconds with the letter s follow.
2h13
